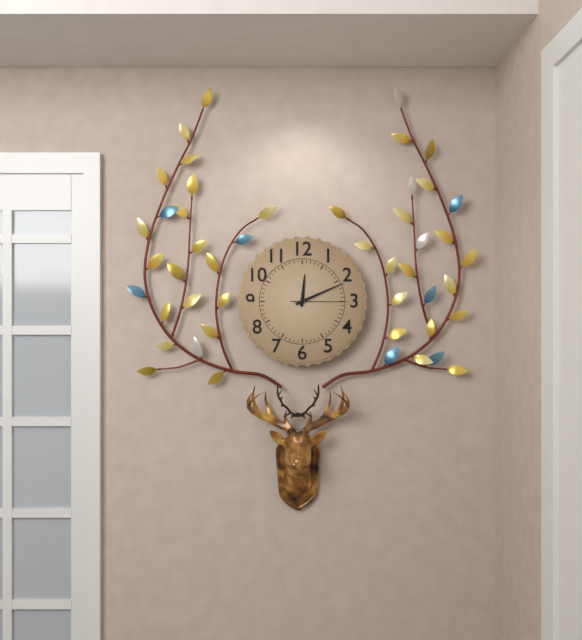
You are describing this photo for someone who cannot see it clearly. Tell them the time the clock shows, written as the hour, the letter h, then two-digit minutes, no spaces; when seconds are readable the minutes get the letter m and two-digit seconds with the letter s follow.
12h11m15s
